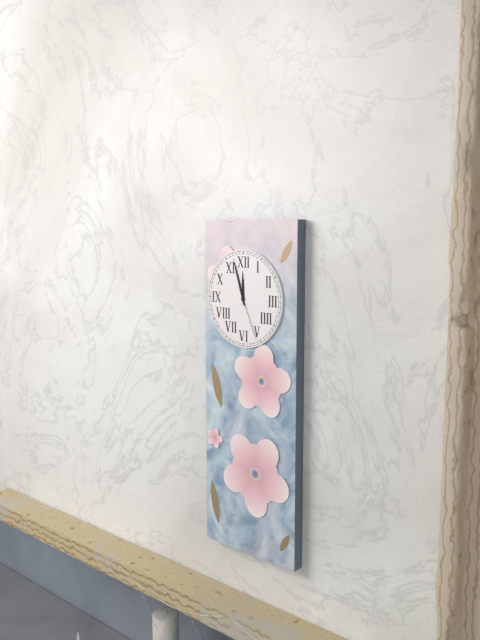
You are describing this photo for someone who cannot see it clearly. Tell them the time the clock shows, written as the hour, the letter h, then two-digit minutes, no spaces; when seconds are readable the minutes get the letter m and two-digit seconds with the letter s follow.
11h57m26s
